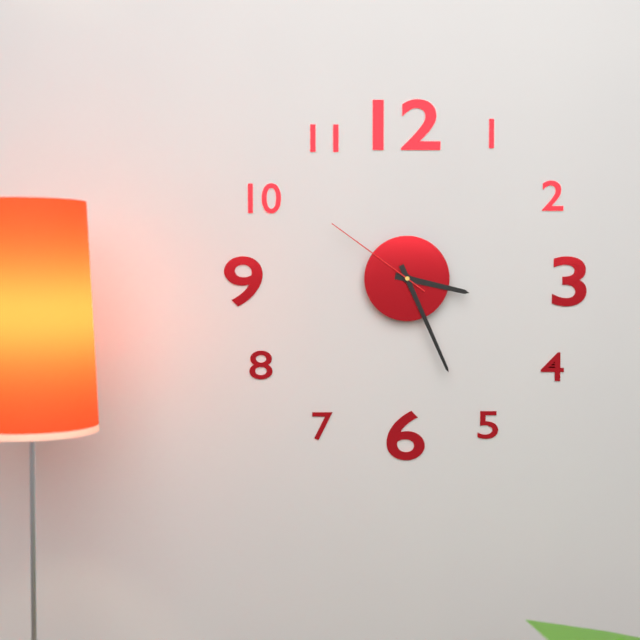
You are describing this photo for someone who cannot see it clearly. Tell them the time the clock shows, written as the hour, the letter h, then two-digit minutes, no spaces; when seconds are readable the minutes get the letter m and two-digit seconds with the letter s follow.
3h26m51s
